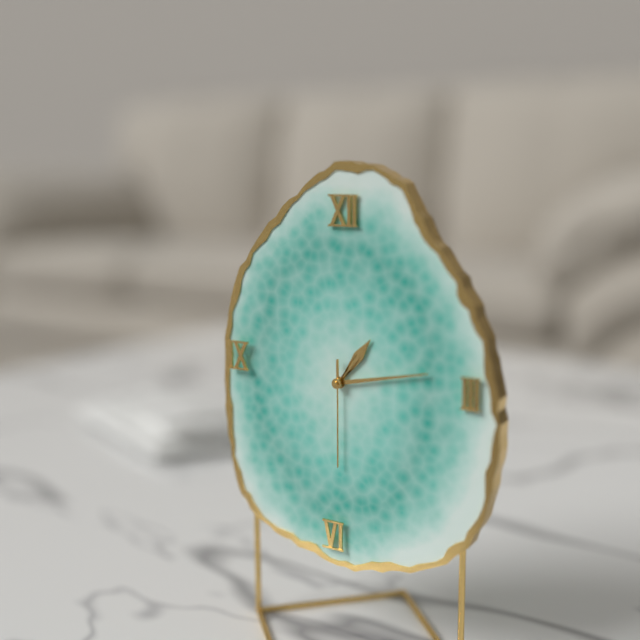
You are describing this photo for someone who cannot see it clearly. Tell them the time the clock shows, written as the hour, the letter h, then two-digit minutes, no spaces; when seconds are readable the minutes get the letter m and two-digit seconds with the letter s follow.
1h13m30s
